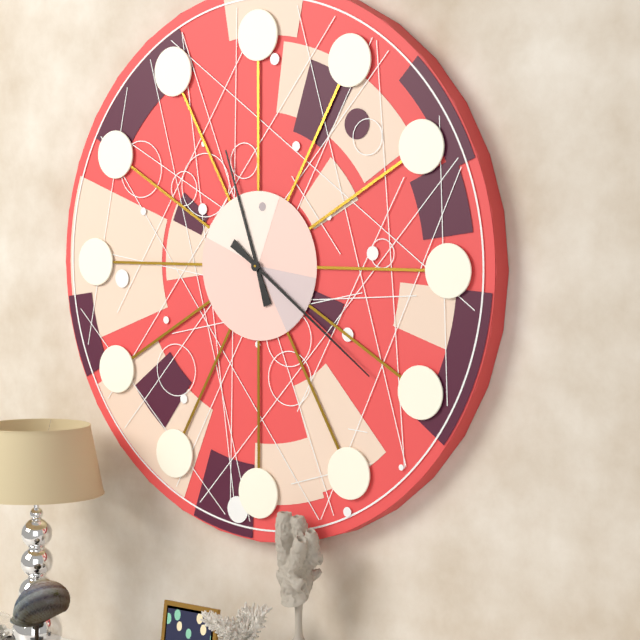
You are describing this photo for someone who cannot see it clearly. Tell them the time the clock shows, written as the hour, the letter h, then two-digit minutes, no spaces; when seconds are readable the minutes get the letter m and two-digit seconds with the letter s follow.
11h21
